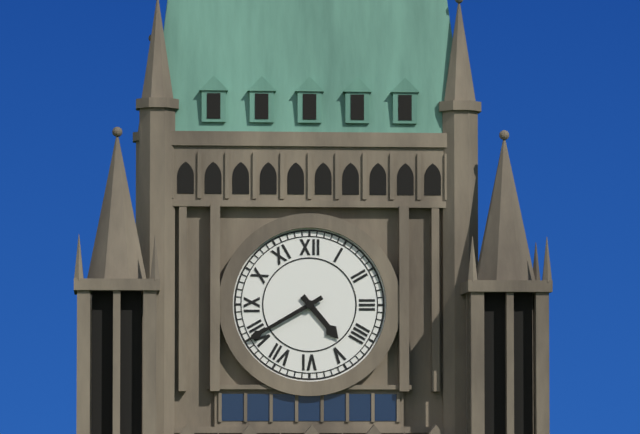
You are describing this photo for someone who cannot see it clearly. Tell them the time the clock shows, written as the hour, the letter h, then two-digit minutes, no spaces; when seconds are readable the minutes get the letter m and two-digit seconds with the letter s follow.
4h40
